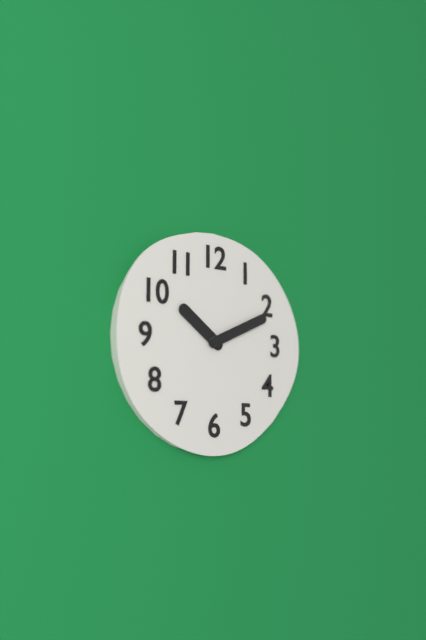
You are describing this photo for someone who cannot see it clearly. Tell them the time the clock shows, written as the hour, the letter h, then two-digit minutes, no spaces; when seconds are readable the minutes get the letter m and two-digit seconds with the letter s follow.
10h11
